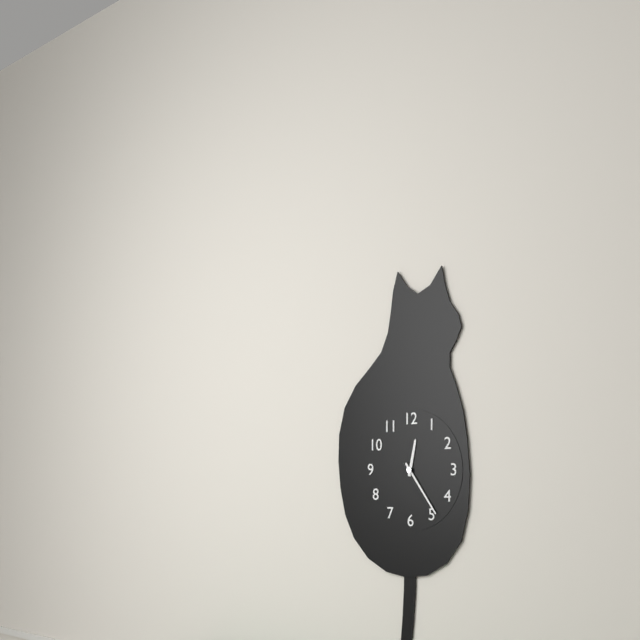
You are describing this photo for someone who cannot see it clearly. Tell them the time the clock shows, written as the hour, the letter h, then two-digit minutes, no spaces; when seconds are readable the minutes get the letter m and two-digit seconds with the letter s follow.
12h24
